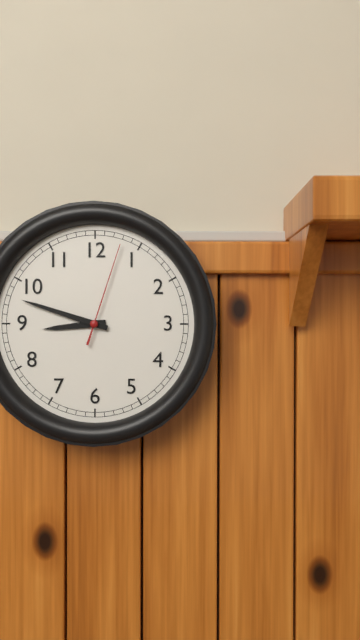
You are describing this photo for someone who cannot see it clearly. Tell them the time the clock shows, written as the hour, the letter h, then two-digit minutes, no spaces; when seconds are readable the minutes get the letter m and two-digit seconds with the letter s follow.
8h48m03s
